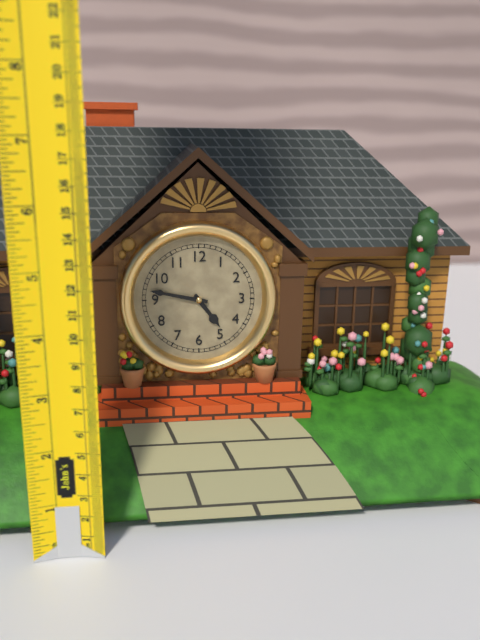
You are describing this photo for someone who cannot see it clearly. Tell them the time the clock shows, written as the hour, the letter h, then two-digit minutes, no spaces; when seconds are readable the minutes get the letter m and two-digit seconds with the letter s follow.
4h47
